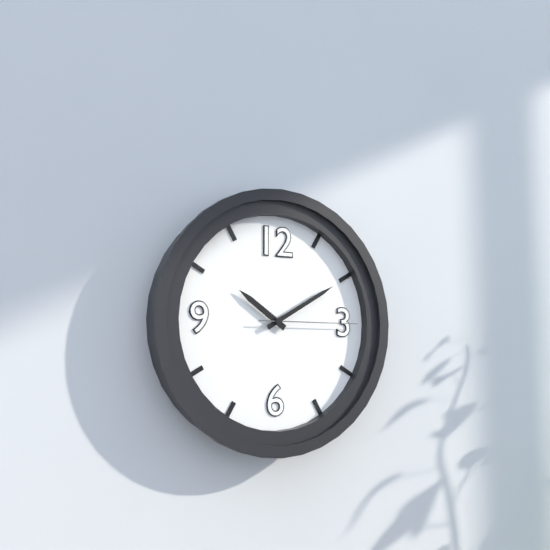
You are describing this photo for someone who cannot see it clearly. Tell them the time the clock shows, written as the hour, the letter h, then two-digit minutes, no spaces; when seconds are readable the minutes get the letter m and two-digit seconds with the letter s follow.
10h10m15s
